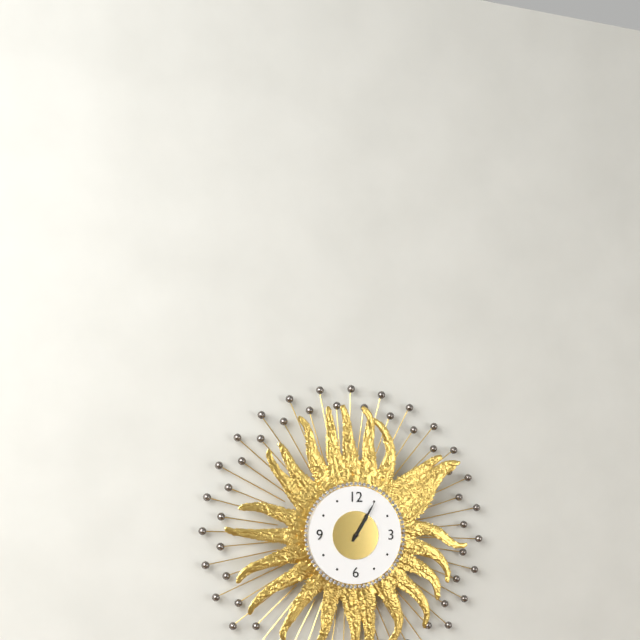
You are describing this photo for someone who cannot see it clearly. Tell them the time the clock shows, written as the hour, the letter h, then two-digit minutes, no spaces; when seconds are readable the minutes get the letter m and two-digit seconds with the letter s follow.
1h05
